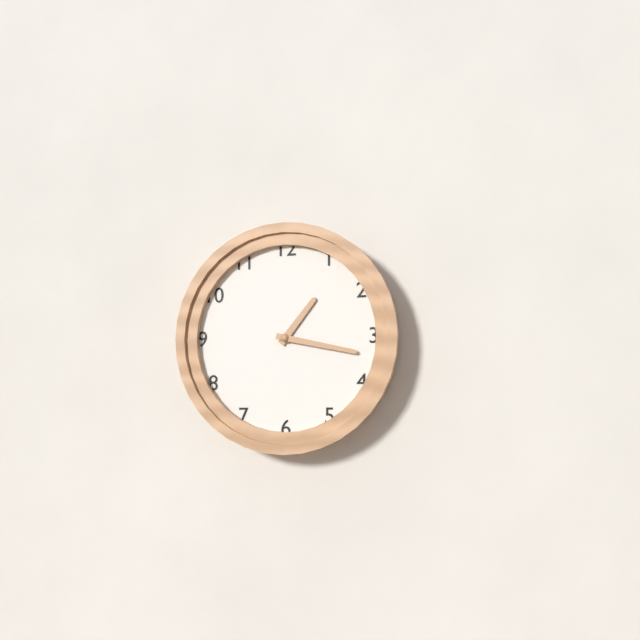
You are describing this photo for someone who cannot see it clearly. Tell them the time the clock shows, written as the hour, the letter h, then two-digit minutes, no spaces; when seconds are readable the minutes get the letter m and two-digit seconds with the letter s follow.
1h17
